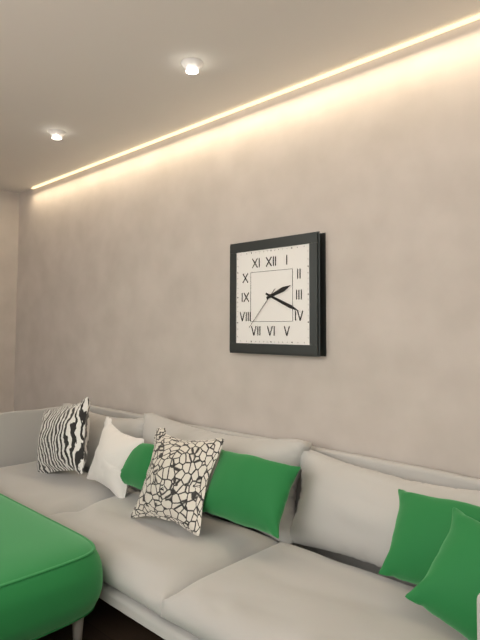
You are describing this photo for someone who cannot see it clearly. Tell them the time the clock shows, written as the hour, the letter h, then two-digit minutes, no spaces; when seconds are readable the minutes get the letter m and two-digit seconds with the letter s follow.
2h19
